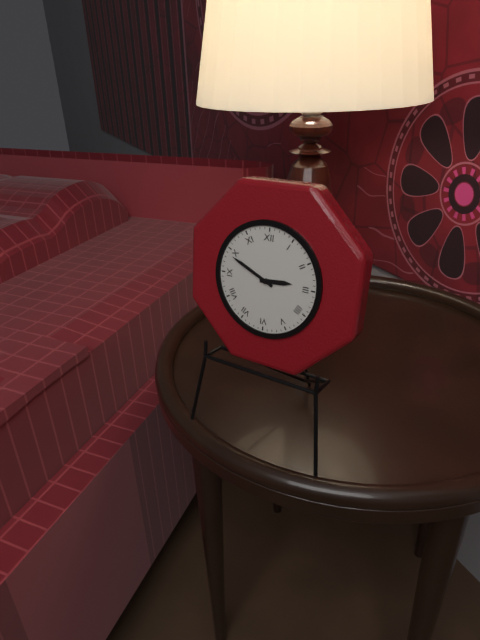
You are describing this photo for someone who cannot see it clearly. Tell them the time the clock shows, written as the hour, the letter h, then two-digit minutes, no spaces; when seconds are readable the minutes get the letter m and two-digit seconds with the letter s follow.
2h49
